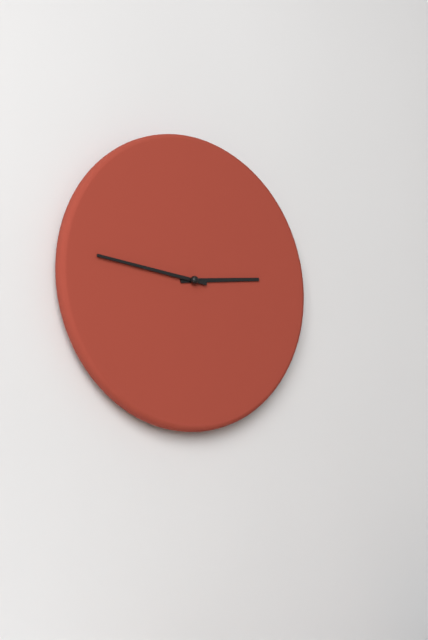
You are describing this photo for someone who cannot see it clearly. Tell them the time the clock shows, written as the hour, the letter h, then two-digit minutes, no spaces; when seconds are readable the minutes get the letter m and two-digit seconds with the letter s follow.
2h46
